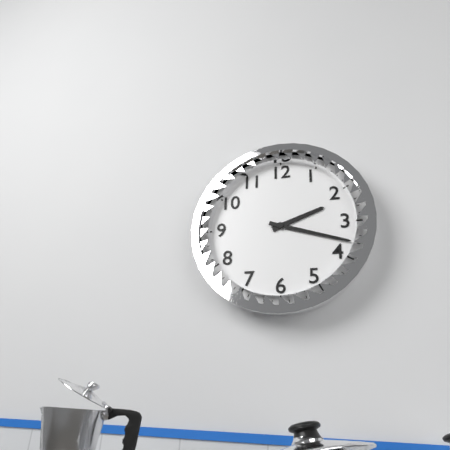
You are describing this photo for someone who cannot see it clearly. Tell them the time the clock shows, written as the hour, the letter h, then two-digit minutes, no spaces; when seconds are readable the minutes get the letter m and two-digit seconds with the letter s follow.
2h18
